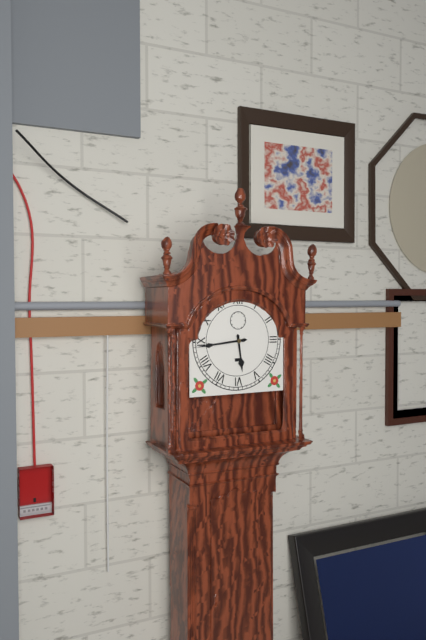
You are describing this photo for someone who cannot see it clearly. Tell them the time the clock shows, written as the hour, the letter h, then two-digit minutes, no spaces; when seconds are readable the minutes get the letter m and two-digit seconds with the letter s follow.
5h44
